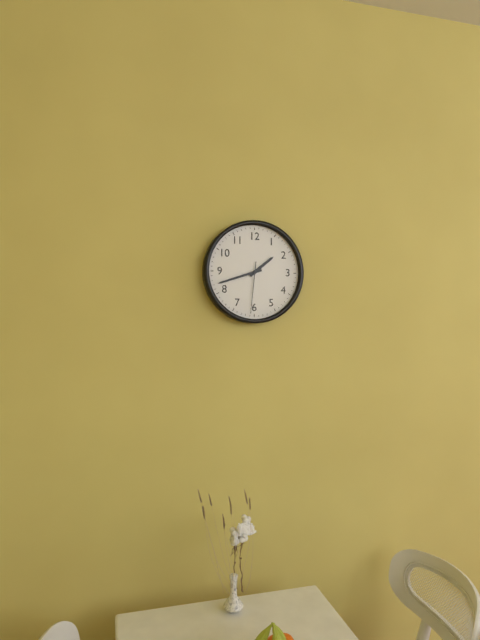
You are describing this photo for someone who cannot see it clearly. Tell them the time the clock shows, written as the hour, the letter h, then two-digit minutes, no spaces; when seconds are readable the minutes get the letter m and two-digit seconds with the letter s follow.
1h42m31s
